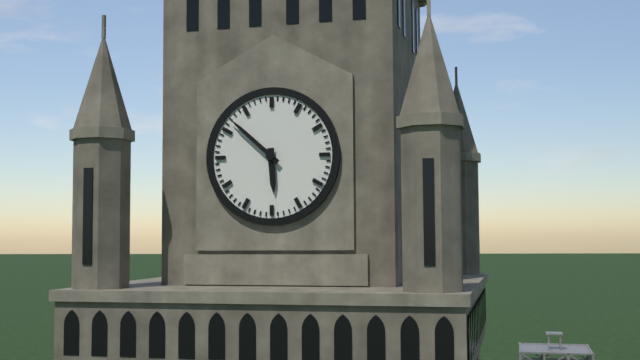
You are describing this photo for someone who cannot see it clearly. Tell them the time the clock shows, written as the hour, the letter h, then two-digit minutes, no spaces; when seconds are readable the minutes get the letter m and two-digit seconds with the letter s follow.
5h52
